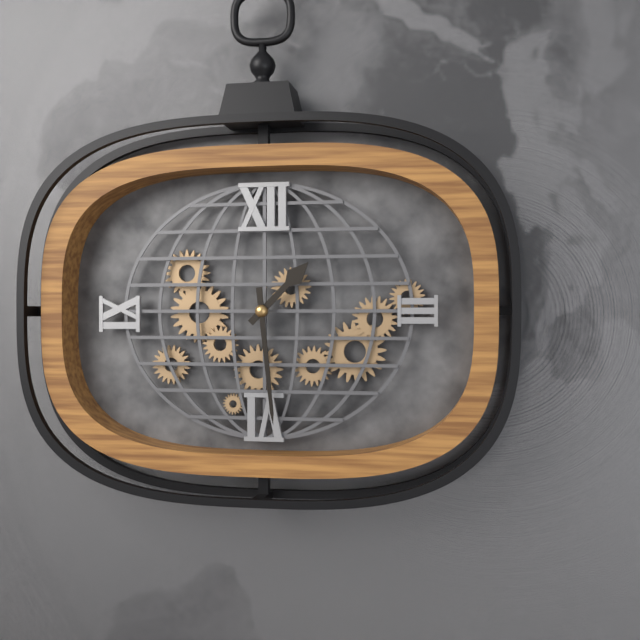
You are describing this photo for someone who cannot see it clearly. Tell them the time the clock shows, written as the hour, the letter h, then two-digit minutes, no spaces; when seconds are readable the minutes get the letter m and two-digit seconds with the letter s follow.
1h29
